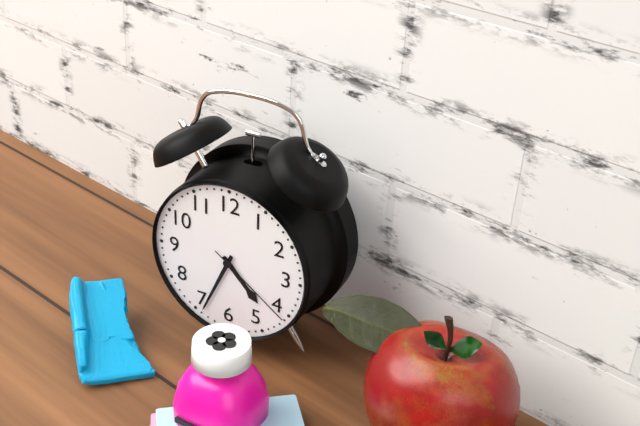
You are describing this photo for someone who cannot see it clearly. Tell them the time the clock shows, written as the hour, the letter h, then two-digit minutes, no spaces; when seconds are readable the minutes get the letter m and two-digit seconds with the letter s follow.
4h34m21s
